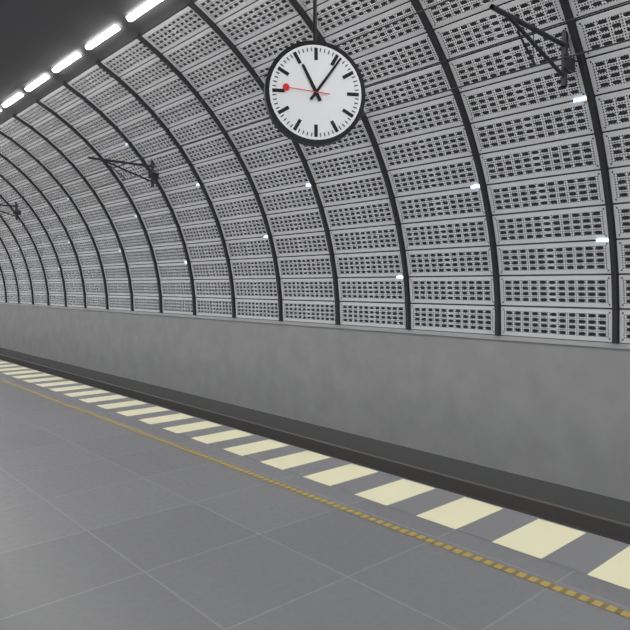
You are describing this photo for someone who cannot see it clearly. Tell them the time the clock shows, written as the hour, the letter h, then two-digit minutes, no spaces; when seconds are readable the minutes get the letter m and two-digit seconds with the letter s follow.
11h06
